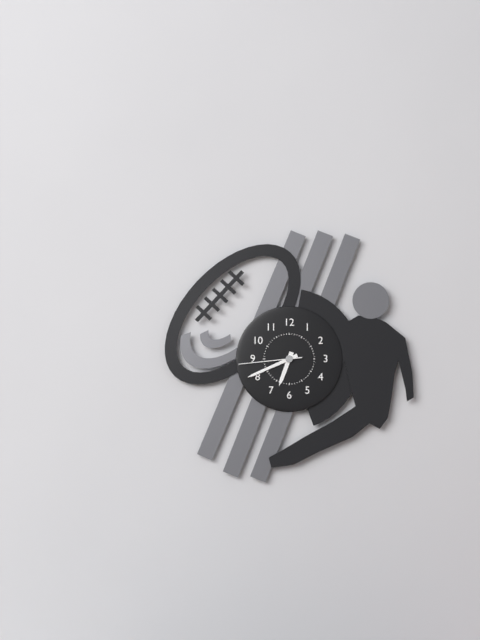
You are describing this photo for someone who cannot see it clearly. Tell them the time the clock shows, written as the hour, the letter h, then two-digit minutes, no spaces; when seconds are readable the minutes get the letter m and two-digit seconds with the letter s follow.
6h41m44s
